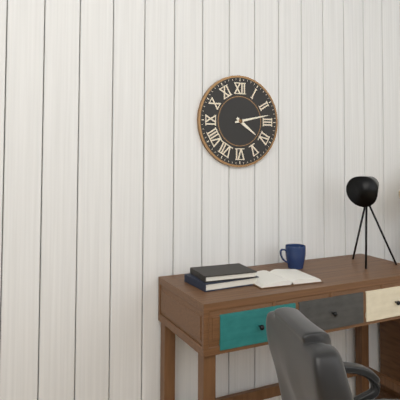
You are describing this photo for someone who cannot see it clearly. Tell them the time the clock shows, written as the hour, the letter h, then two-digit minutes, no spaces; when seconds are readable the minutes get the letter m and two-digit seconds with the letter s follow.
4h13
